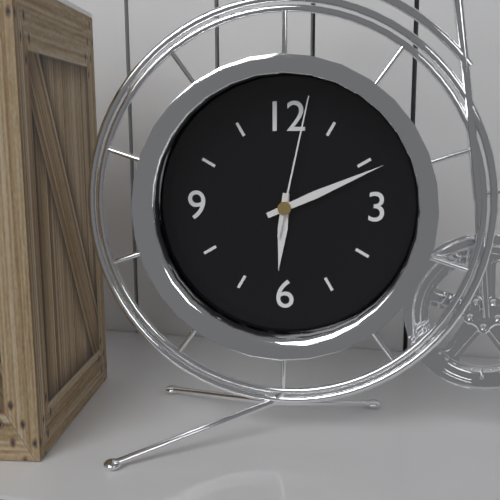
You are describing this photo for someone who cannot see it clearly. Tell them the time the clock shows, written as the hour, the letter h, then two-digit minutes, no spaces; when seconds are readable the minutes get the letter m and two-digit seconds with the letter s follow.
6h11m02s
